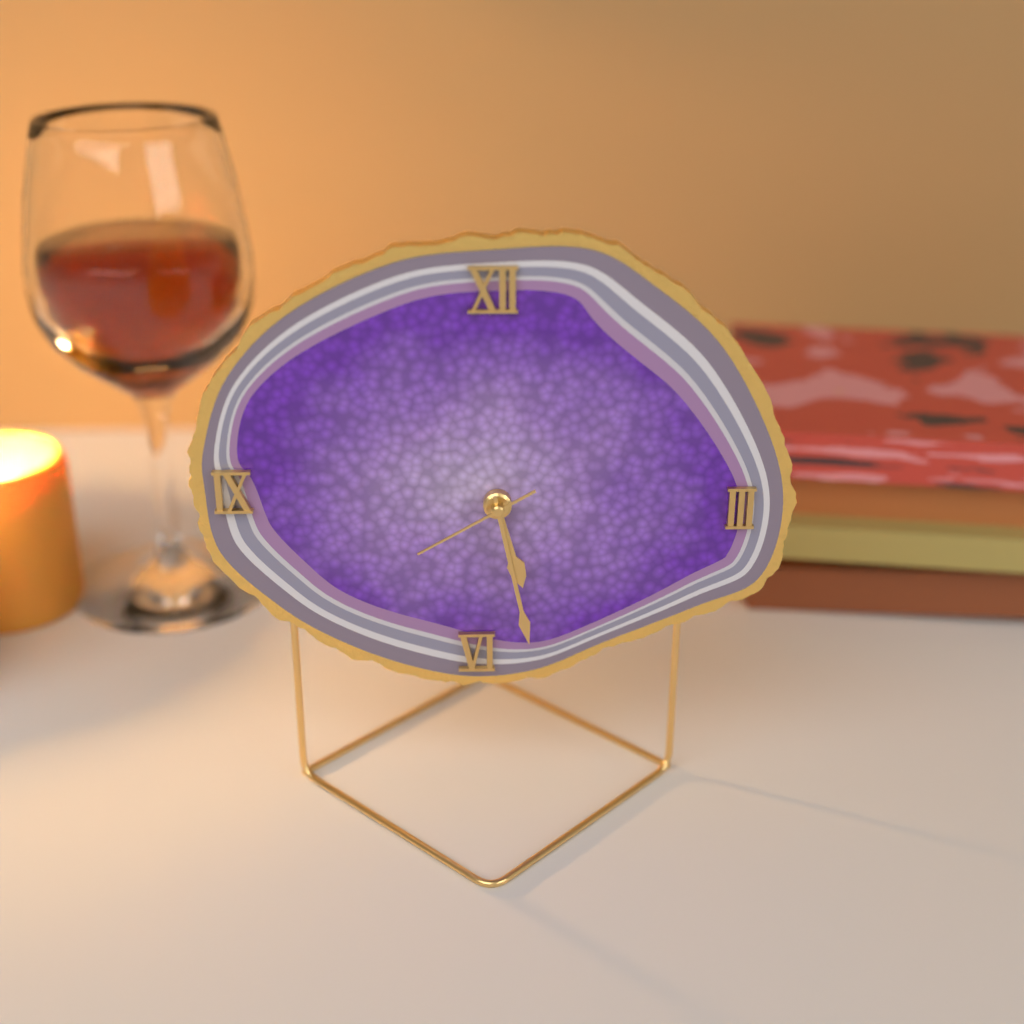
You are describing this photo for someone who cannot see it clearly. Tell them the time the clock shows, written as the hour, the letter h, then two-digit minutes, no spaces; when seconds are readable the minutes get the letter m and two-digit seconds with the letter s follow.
5h28m40s
